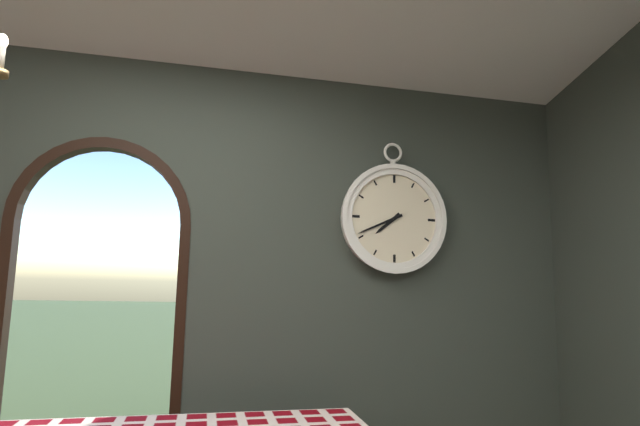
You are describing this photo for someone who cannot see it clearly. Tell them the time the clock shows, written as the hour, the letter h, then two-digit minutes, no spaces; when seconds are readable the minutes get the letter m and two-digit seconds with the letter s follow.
7h41
